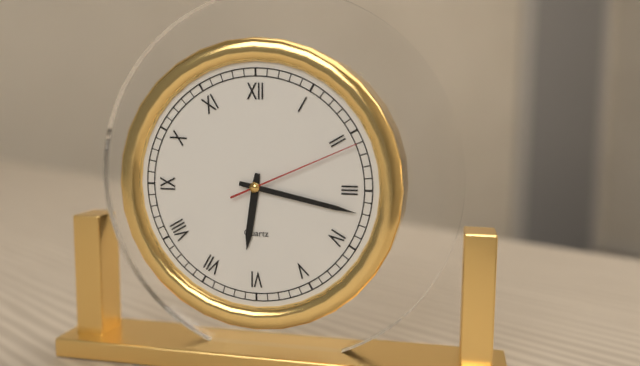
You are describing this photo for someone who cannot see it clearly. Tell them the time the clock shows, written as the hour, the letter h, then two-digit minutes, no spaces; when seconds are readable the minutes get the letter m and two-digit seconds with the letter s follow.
6h17m11s
